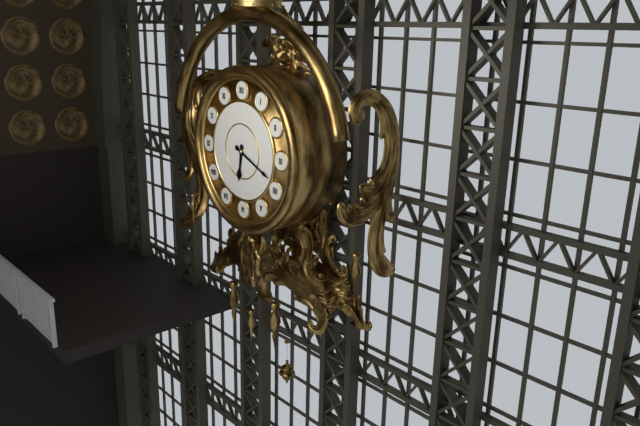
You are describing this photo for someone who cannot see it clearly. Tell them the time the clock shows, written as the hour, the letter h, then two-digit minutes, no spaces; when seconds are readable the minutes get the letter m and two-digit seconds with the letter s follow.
6h19
